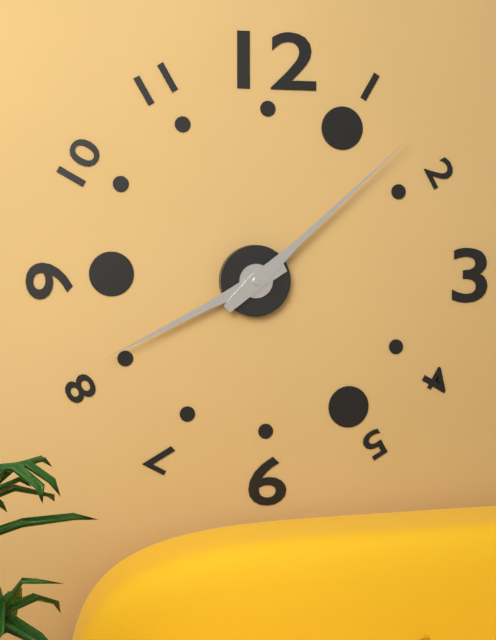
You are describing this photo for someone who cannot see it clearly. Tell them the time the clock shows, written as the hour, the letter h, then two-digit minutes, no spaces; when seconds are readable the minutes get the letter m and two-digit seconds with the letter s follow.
8h08
